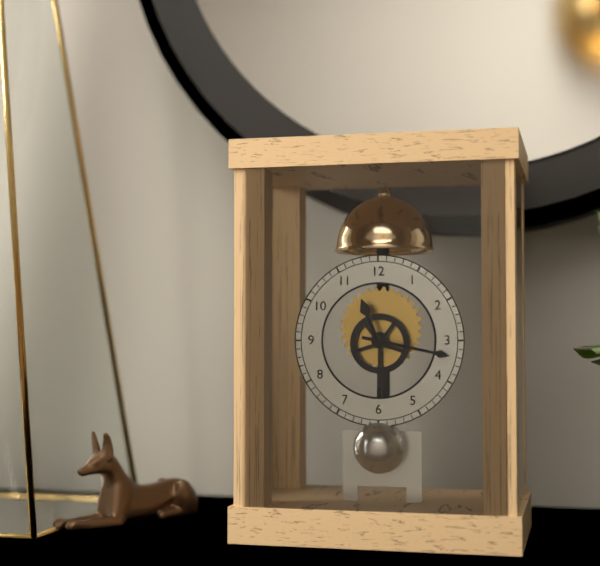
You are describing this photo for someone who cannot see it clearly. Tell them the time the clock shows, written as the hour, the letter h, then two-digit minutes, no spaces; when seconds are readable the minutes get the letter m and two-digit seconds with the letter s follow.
11h17
